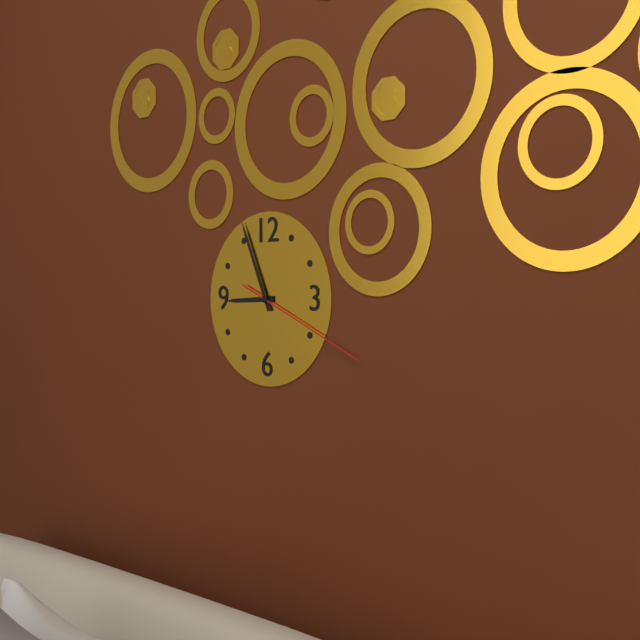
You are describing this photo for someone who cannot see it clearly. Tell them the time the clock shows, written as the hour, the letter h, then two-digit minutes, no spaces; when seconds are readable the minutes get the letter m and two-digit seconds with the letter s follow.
8h56m19s
